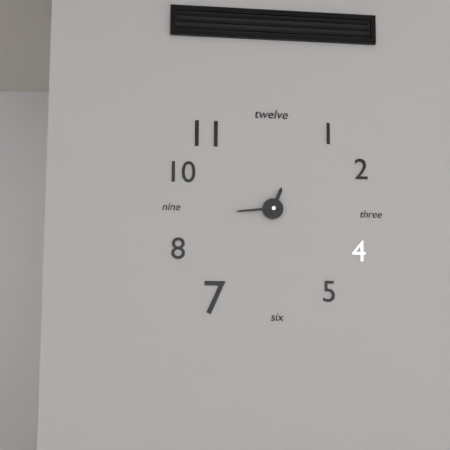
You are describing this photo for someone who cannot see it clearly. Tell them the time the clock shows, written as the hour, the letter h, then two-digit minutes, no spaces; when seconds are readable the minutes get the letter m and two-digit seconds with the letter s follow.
12h44
